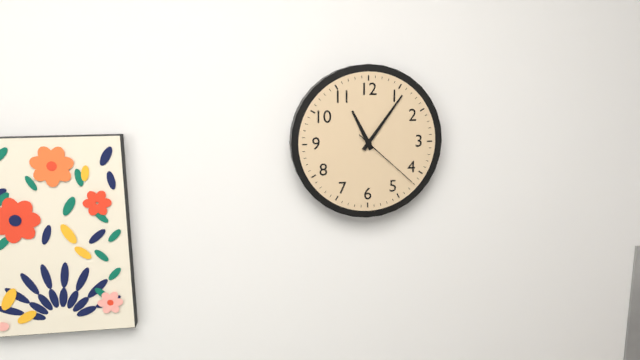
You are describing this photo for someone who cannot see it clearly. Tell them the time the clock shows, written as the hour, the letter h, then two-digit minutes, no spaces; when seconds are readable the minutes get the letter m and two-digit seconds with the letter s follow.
11h06m22s
